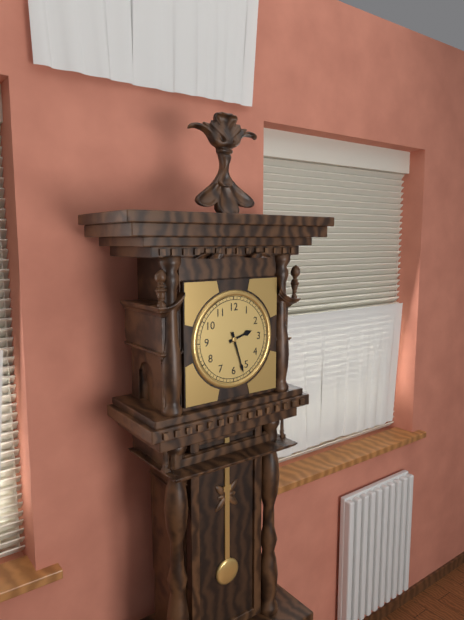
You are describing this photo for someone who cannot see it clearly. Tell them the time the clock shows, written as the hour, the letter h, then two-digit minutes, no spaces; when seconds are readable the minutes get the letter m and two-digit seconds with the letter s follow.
2h27
